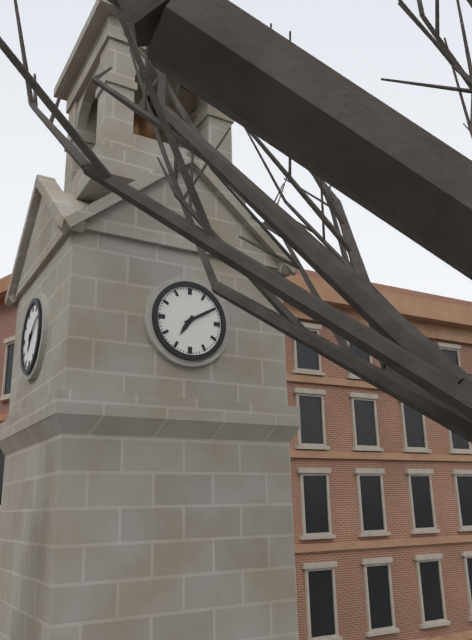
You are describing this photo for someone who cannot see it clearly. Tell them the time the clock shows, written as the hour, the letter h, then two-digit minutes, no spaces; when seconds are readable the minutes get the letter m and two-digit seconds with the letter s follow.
7h10
